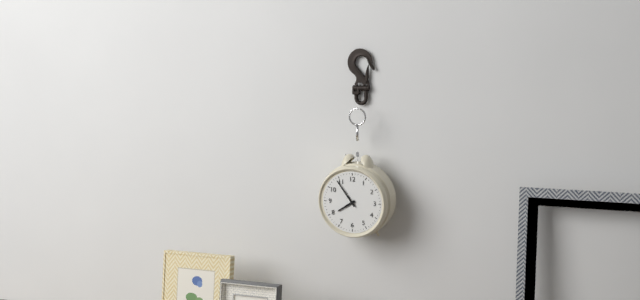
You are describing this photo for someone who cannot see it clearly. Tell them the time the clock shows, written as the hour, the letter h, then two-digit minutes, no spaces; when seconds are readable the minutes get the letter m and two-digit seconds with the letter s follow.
7h54
